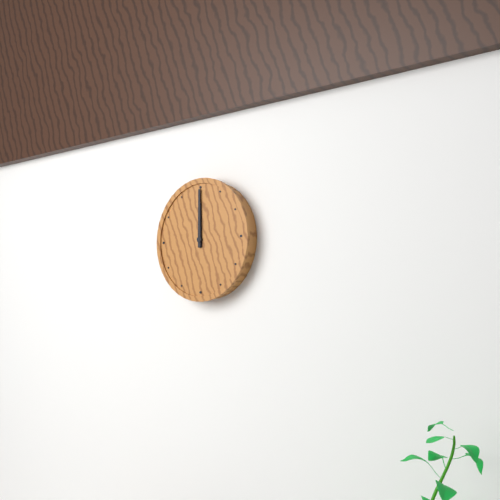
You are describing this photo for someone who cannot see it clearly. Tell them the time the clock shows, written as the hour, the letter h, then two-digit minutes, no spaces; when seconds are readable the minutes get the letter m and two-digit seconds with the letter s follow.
12h00
